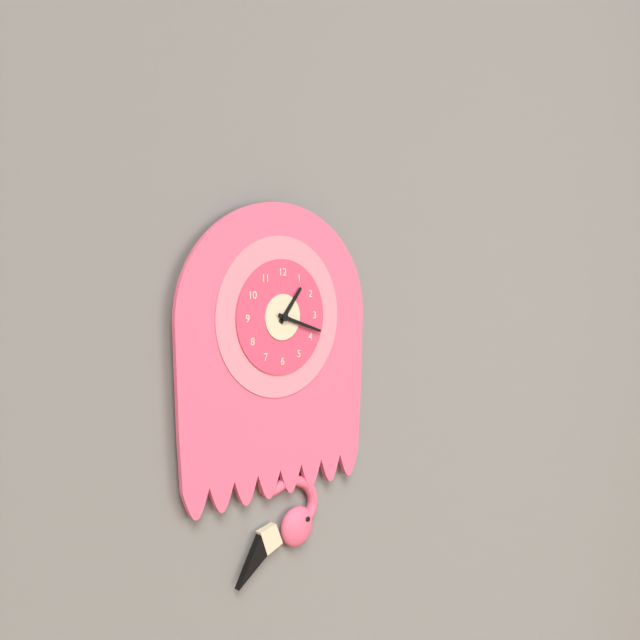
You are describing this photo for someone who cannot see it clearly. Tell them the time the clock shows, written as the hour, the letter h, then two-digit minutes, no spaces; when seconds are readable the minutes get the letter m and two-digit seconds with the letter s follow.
1h18
